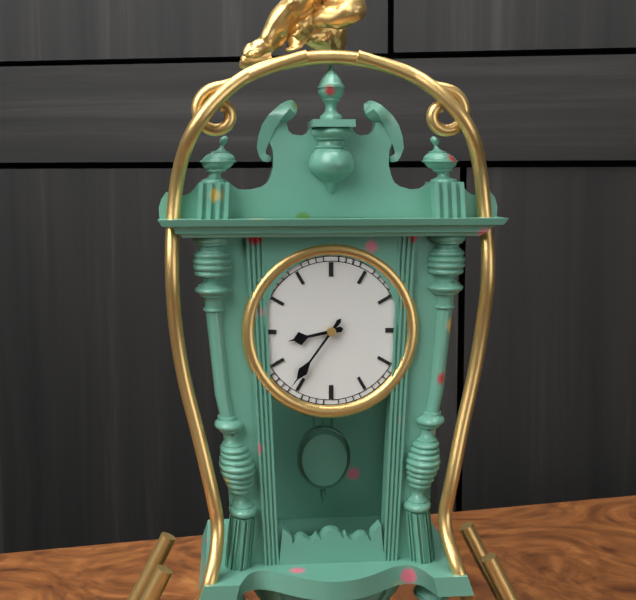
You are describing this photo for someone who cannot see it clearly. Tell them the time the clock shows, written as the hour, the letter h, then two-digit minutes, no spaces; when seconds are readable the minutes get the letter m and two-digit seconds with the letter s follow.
8h36
